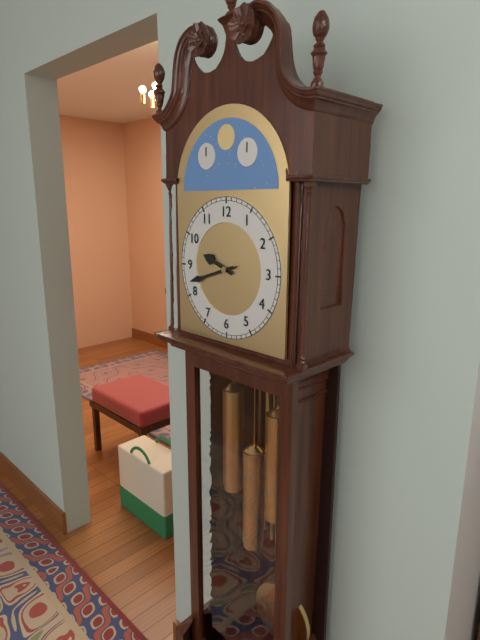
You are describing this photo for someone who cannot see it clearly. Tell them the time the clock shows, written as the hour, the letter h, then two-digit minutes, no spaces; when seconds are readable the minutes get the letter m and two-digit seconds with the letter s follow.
9h42
